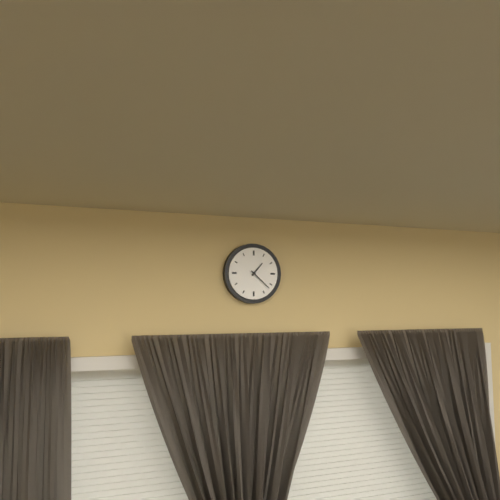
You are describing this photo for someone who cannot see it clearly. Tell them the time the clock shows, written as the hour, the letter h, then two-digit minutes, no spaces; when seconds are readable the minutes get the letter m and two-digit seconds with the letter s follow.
1h22
